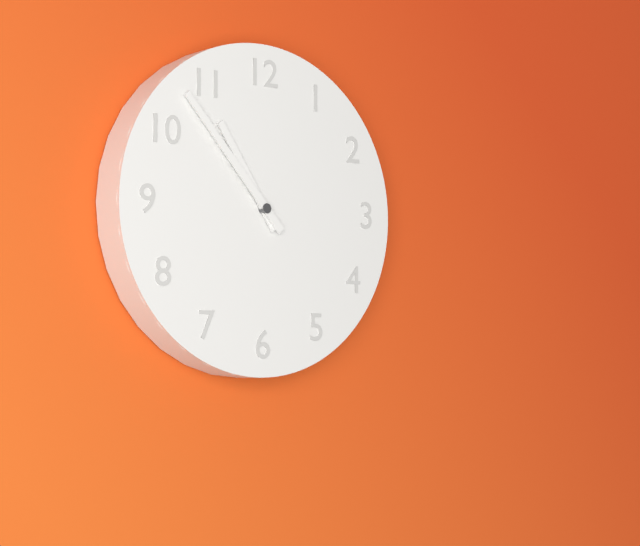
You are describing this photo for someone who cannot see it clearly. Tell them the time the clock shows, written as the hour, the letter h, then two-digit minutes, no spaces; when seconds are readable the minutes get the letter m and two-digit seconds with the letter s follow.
10h53
